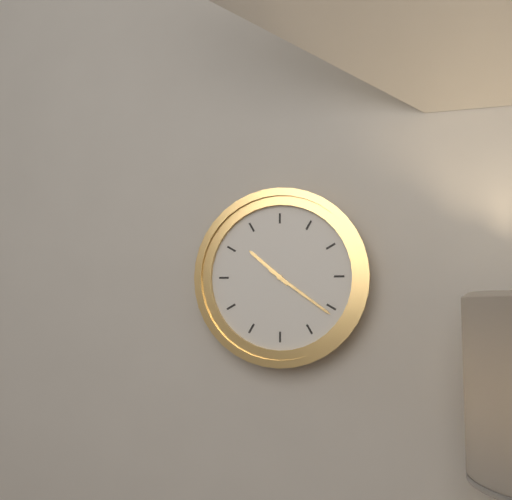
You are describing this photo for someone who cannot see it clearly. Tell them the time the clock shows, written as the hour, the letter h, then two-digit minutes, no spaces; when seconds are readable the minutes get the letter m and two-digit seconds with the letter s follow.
10h21
